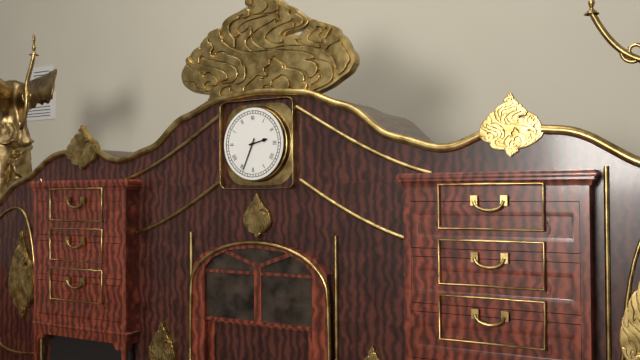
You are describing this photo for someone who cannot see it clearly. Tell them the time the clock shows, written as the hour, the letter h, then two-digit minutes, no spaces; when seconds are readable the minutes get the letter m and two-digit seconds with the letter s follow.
2h34
